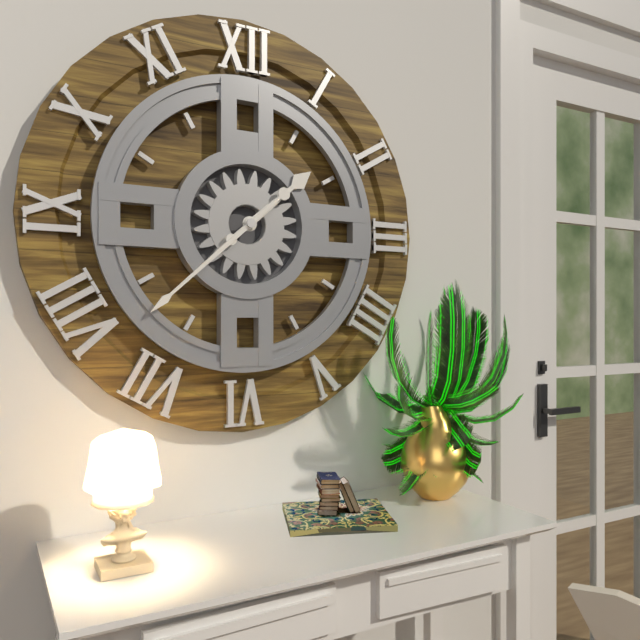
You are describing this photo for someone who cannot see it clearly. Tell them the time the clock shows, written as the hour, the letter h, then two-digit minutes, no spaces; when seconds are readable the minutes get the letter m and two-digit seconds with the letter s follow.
1h38
